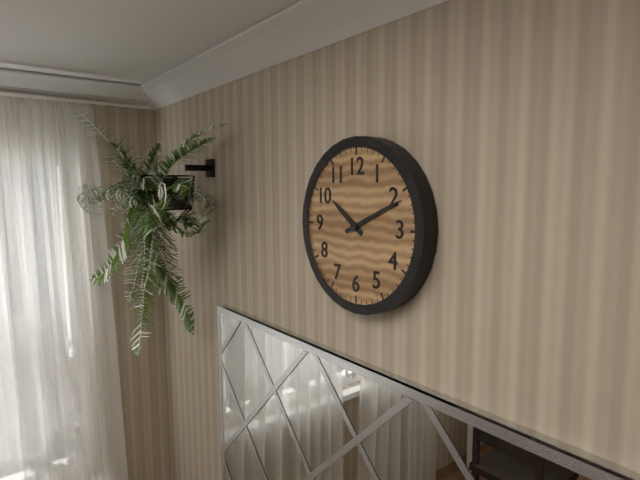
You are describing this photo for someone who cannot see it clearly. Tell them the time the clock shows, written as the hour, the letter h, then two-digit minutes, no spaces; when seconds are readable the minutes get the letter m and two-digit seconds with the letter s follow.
10h11
